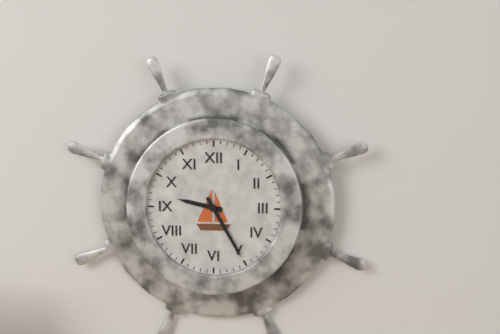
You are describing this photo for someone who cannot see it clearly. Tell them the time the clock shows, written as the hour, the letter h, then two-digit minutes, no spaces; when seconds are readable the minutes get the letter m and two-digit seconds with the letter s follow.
9h25
